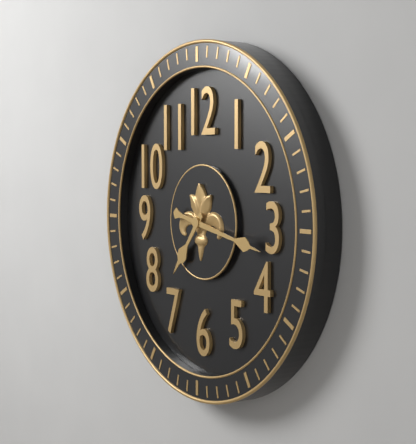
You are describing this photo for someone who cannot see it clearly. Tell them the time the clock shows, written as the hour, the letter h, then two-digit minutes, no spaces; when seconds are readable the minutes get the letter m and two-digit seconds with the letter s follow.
7h17
